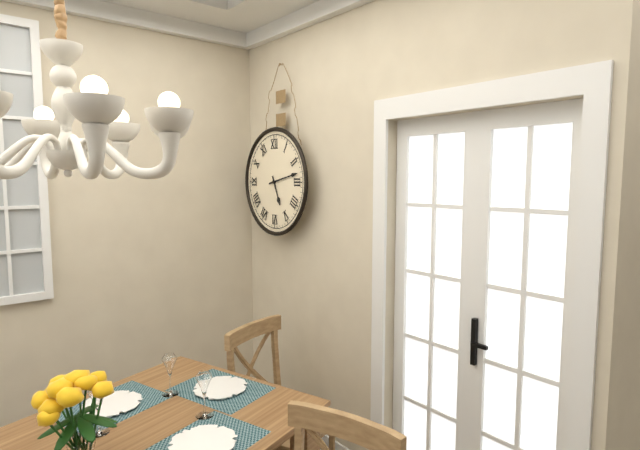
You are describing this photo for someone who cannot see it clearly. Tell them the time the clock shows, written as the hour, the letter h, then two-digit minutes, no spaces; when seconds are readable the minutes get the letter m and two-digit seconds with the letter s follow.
5h13
